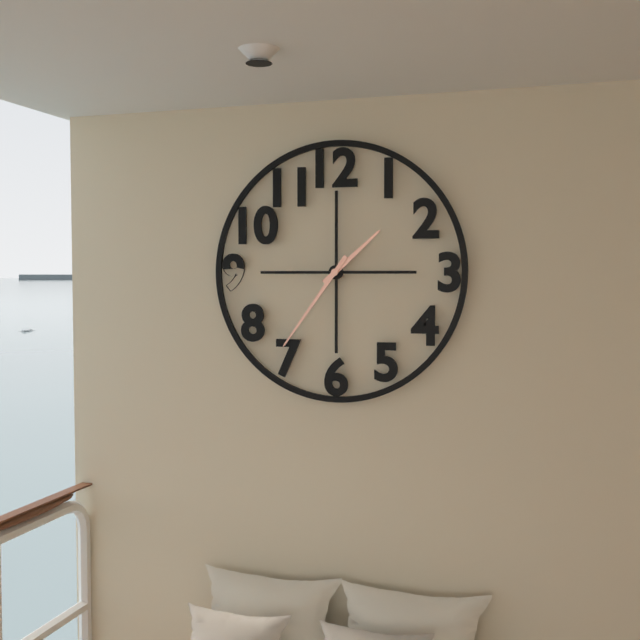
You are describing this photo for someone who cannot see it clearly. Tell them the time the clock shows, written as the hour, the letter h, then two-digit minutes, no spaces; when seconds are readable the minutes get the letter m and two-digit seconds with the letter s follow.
1h36
